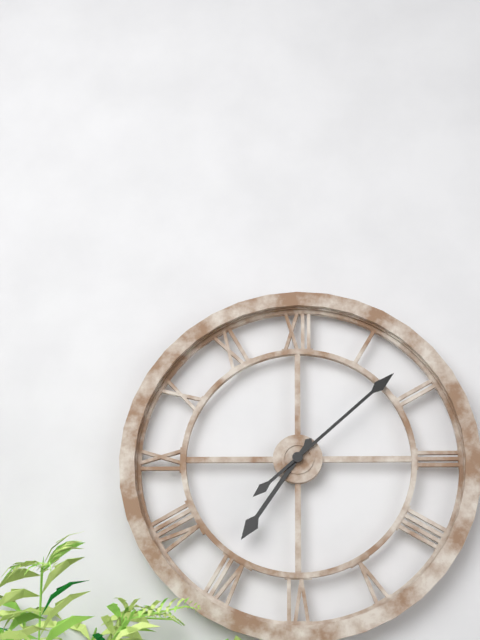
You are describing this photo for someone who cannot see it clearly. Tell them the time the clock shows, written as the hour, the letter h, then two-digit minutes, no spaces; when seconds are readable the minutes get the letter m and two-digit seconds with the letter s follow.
7h08
